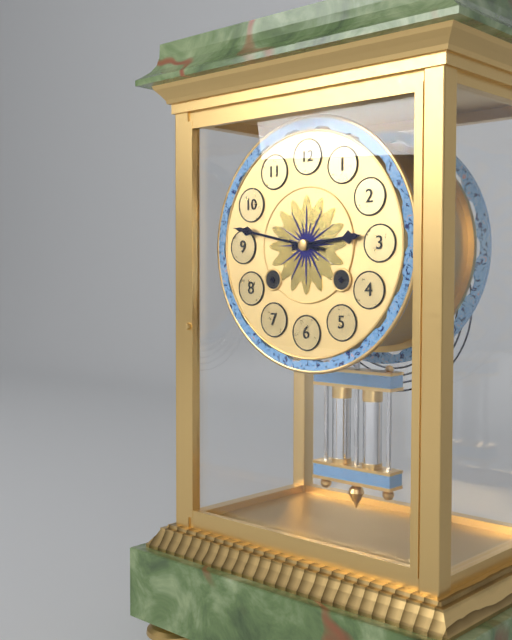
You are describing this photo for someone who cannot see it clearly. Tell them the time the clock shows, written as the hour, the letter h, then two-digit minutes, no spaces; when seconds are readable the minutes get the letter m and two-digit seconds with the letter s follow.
2h47
